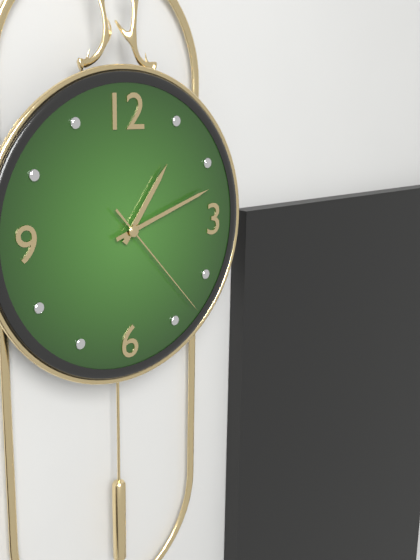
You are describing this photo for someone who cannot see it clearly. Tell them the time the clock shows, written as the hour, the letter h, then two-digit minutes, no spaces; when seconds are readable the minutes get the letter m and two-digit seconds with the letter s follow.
1h12m23s
